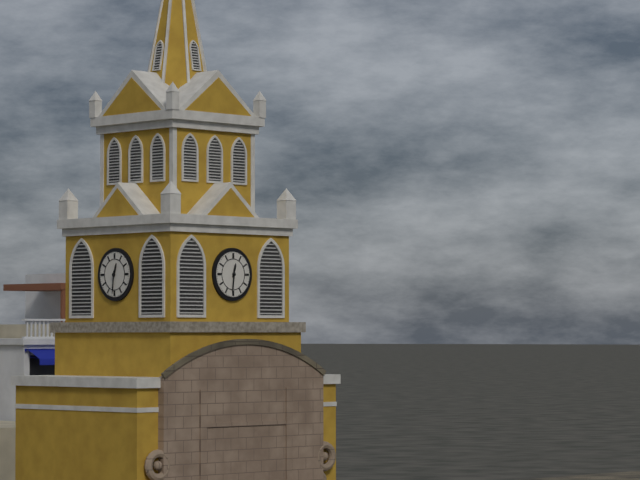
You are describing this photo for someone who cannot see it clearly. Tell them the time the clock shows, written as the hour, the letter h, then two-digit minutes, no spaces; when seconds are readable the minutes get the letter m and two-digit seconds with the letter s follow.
12h31
